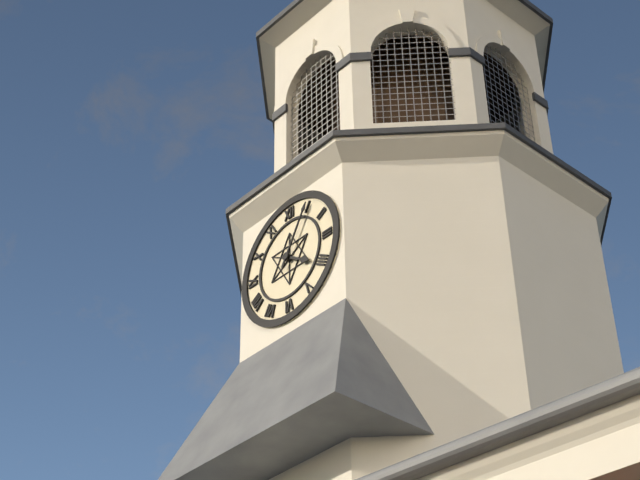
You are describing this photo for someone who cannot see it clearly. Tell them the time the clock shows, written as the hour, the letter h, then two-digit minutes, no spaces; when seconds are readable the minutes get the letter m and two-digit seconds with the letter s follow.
4h05
